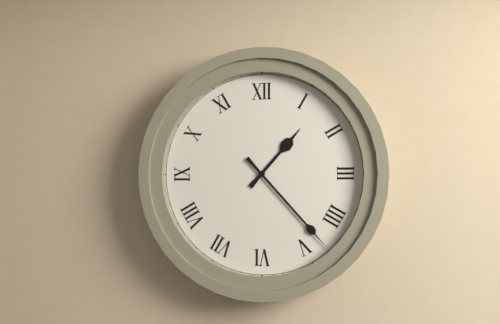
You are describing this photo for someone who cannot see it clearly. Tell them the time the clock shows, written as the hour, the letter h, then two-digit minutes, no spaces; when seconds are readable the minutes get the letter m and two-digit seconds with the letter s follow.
1h23
